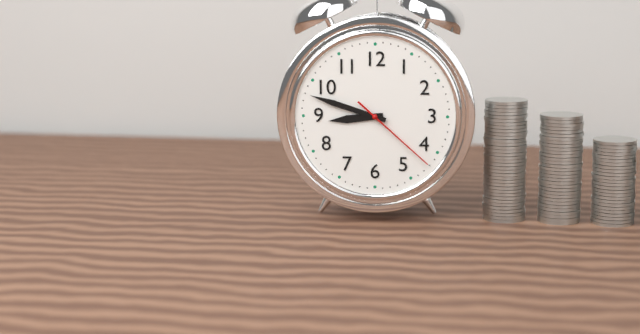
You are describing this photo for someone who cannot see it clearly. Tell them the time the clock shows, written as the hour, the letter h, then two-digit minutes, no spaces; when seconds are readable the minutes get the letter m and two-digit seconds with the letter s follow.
8h48m22s
